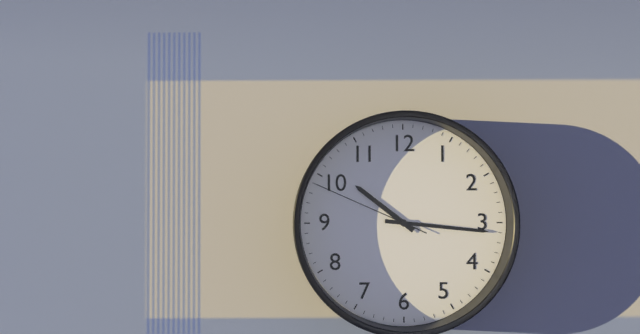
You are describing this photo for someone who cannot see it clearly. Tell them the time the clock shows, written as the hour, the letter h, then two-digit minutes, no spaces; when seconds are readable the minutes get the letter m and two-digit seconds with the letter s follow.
10h16m49s
